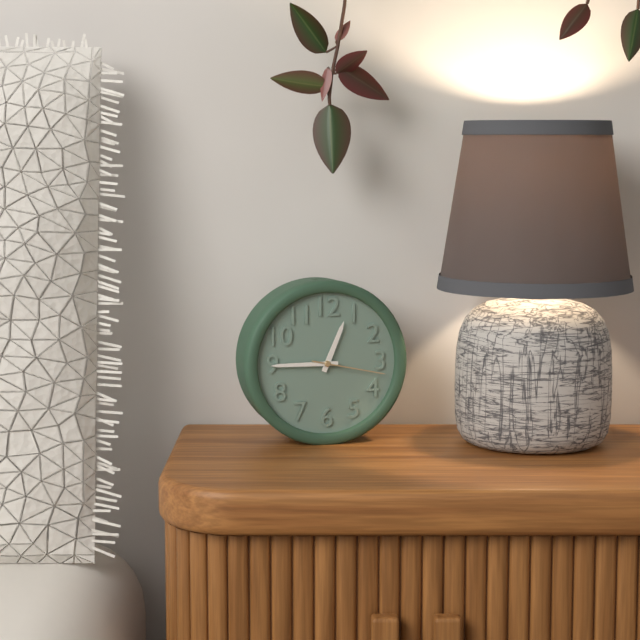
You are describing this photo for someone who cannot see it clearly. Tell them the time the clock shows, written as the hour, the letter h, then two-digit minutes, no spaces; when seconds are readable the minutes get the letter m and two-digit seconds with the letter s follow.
12h45m17s
